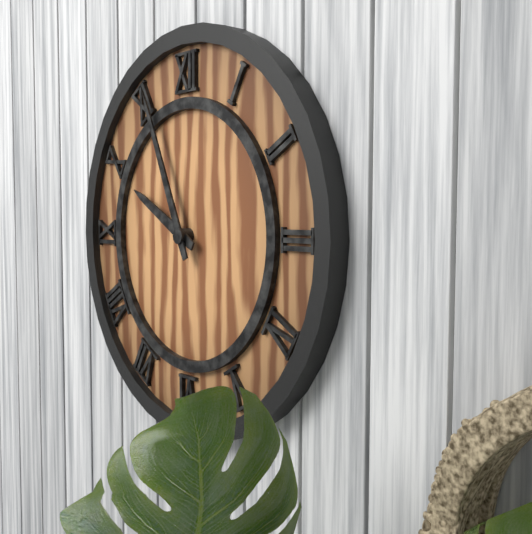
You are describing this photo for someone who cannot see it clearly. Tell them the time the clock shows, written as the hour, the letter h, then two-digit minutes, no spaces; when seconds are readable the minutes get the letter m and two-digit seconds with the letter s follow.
9h56
